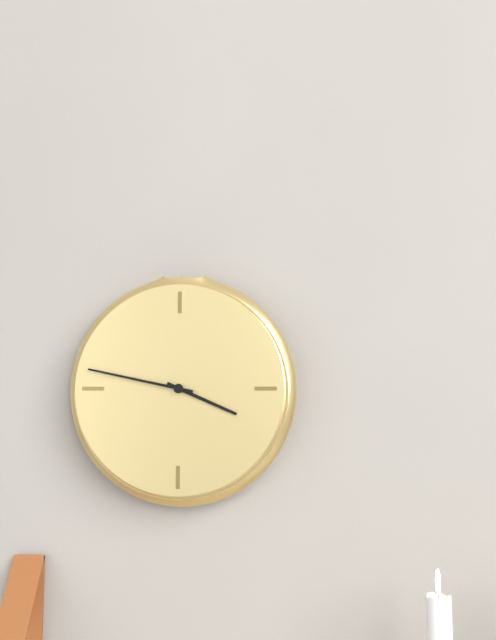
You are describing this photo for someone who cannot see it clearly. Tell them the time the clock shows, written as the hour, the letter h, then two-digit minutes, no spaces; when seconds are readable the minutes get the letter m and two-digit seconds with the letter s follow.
3h47
